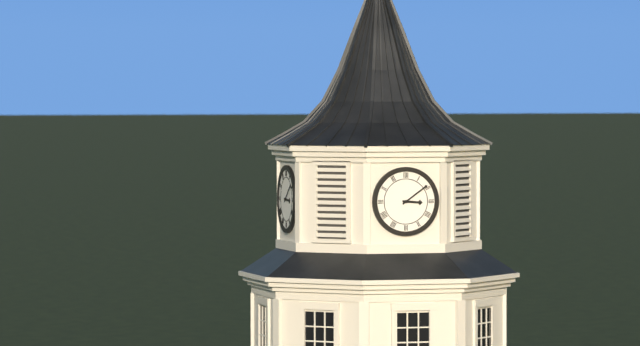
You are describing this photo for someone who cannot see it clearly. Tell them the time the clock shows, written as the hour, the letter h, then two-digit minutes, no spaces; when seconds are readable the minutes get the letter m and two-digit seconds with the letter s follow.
3h09
